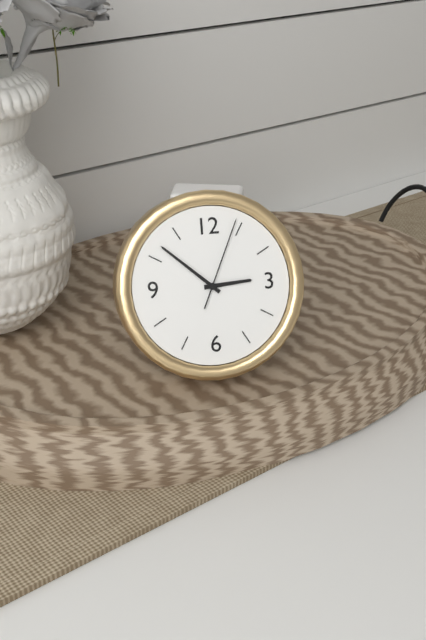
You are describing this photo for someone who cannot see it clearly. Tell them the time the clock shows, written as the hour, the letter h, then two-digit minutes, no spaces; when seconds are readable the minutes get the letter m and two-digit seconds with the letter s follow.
2h52m04s
